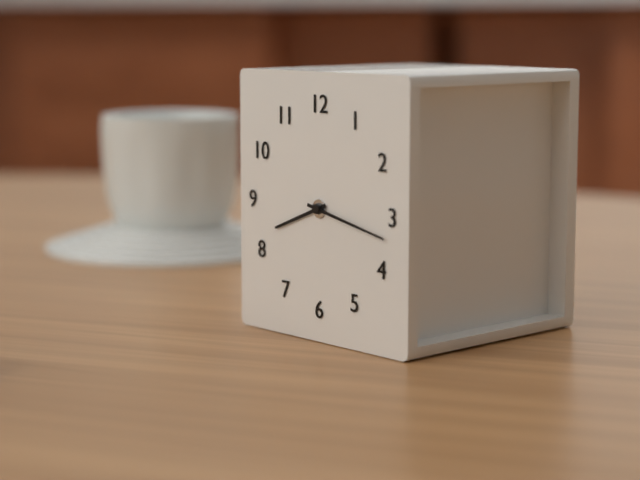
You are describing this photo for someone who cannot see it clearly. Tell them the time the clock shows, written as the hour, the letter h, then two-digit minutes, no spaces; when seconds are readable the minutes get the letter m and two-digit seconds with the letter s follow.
8h17
